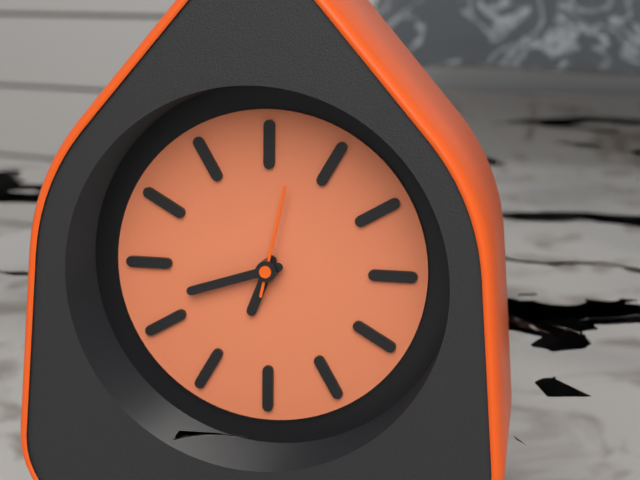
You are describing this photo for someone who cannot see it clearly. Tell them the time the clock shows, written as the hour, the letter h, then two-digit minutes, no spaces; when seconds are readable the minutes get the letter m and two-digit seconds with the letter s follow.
6h42m02s
